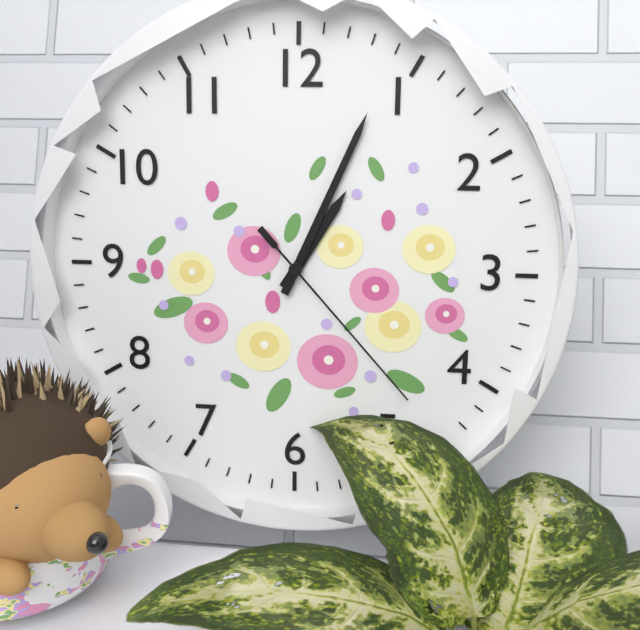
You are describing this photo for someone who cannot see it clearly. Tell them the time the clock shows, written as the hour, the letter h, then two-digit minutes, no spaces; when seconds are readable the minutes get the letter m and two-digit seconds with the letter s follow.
1h04m23s
